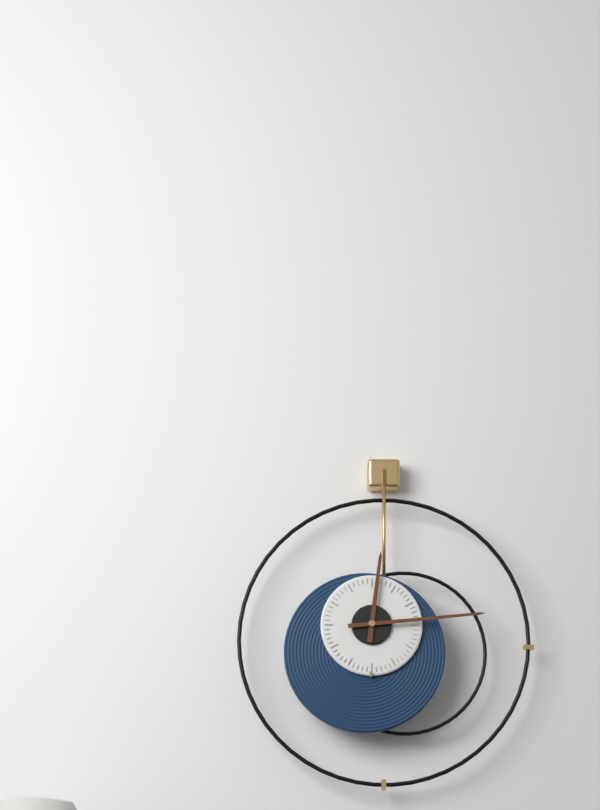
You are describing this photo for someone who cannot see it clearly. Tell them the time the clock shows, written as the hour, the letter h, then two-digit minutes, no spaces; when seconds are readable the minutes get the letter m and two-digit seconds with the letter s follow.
12h14
